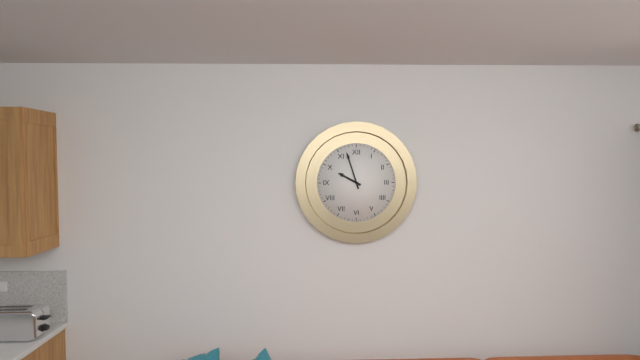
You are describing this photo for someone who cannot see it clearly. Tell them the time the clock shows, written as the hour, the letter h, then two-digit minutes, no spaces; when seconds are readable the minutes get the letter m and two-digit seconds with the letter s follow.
9h57
